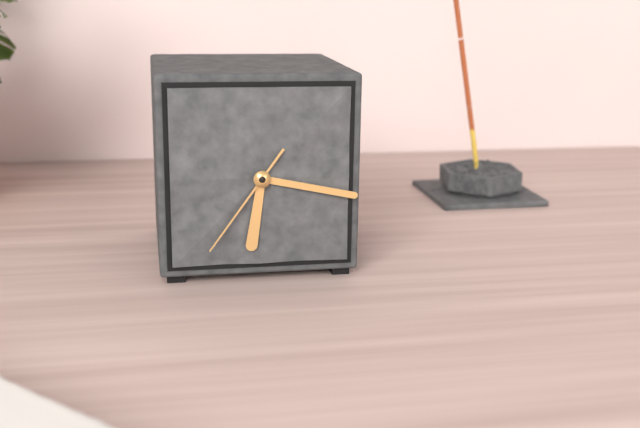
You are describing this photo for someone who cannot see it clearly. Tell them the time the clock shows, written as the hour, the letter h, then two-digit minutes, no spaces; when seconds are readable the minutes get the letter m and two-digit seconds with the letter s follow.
6h17m36s
